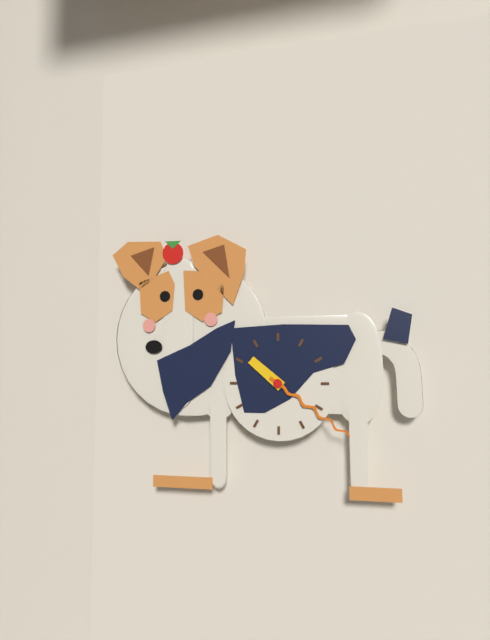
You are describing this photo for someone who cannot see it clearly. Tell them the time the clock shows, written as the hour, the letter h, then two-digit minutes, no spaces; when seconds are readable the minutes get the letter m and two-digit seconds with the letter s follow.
10h21
